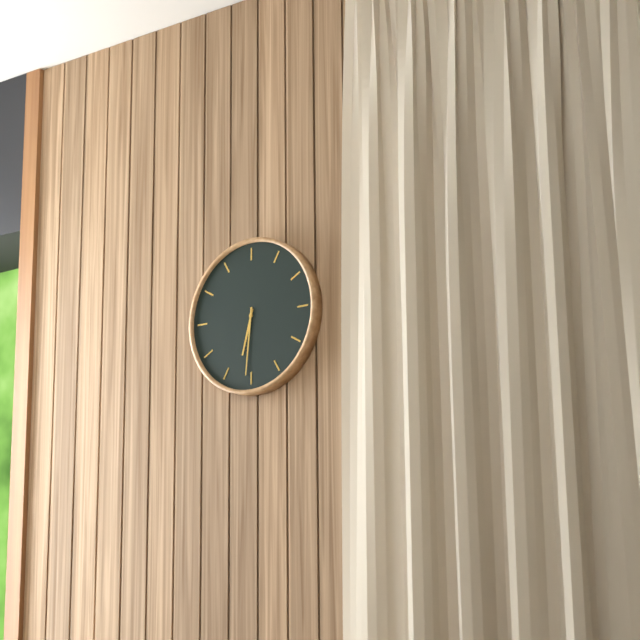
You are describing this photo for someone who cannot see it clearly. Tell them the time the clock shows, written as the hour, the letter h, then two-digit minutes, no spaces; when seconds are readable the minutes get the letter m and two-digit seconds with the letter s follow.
6h31
